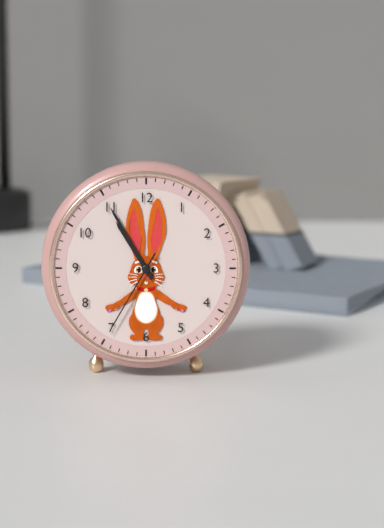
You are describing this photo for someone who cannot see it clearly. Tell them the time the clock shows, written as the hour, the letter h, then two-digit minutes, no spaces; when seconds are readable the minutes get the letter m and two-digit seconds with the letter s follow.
10h55m35s
